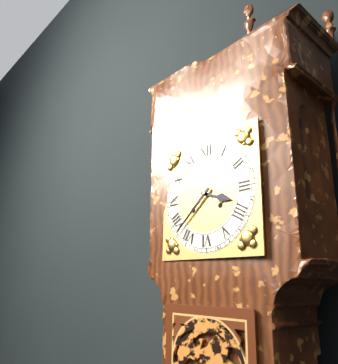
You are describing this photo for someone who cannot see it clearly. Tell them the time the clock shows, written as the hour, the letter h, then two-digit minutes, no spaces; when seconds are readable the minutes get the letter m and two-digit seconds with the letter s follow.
3h38
